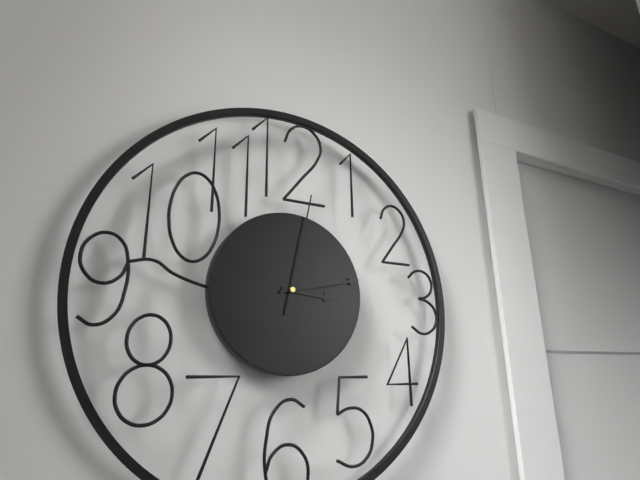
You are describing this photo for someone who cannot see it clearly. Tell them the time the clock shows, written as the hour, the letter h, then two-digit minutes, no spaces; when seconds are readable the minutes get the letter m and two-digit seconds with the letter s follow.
3h13m02s
